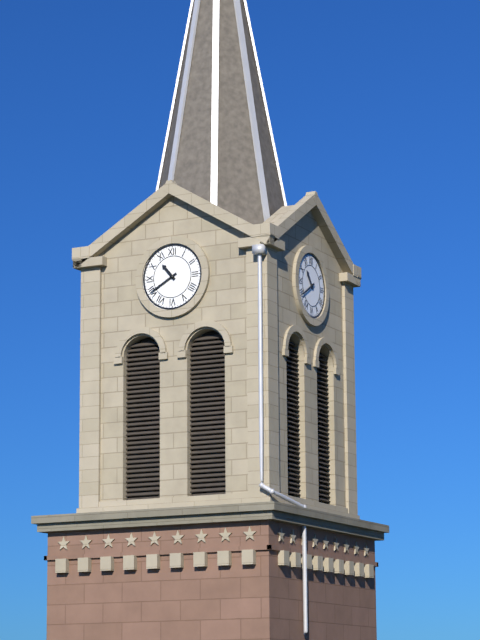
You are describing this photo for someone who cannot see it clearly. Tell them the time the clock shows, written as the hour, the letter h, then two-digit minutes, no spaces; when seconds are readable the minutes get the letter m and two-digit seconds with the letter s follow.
10h40
